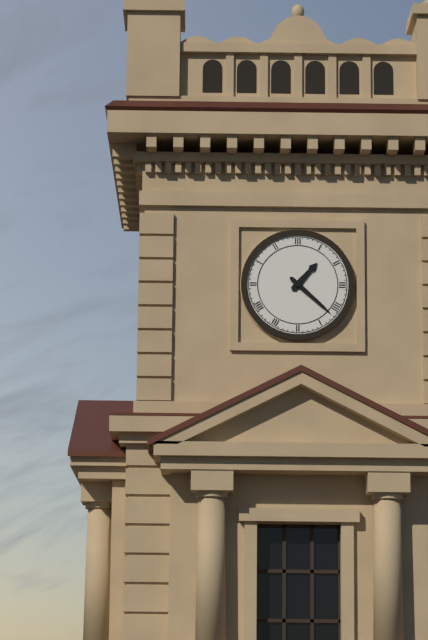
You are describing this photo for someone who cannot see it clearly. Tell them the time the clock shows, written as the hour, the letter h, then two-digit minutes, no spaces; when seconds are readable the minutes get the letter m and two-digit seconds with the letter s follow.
1h22
